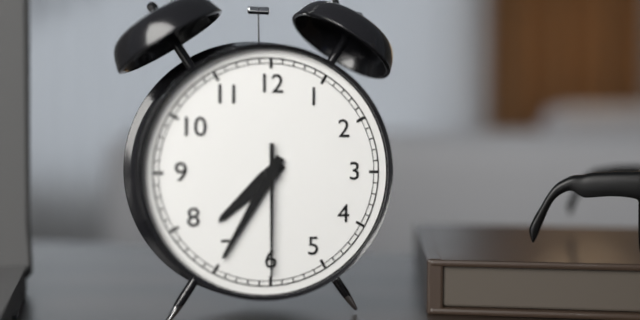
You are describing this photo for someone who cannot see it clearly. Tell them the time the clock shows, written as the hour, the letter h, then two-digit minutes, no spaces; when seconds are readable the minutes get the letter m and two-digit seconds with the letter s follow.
7h35m30s
